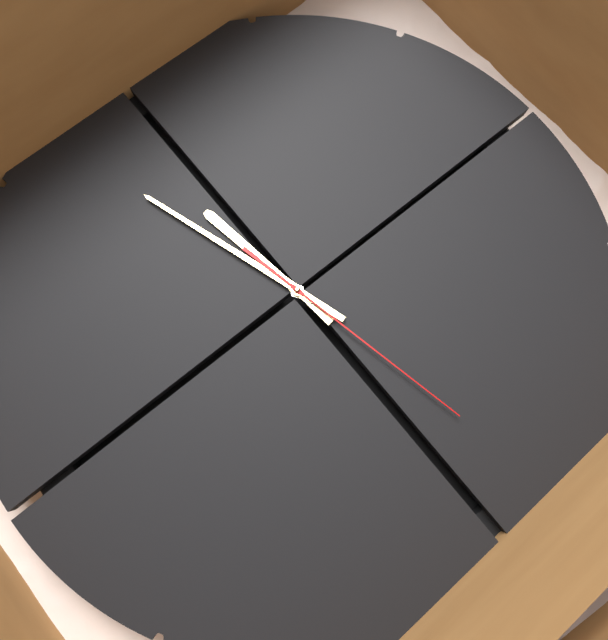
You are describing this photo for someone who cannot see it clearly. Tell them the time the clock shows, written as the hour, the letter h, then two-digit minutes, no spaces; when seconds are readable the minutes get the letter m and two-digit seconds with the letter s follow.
8h42m13s
